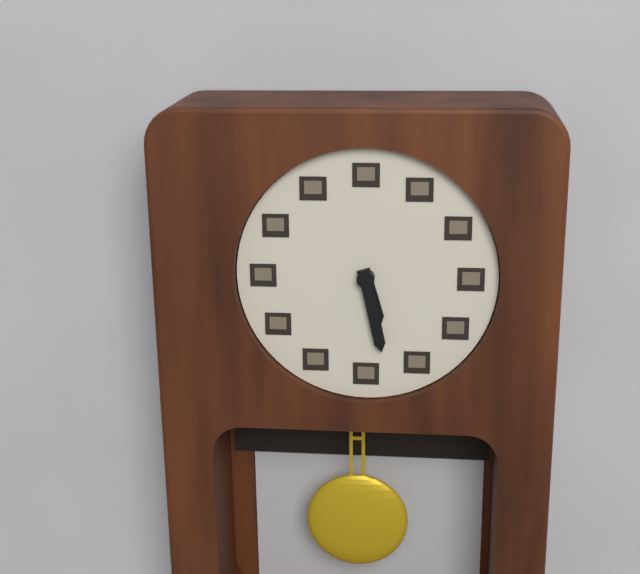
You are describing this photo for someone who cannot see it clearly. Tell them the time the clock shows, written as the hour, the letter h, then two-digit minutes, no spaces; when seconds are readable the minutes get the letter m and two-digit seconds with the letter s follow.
5h28
